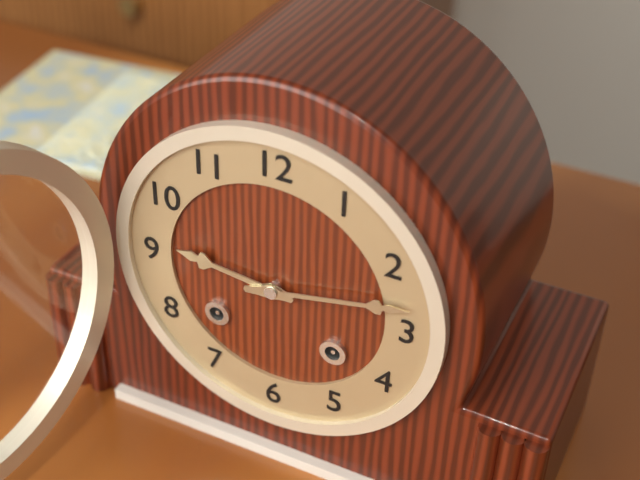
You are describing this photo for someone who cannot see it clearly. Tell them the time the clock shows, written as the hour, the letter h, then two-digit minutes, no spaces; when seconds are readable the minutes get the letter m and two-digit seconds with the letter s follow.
9h13
